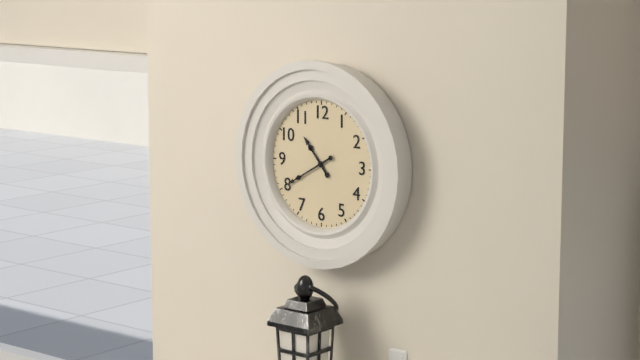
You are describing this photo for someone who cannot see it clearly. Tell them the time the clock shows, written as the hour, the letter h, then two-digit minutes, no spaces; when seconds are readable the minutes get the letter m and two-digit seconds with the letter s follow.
10h40
